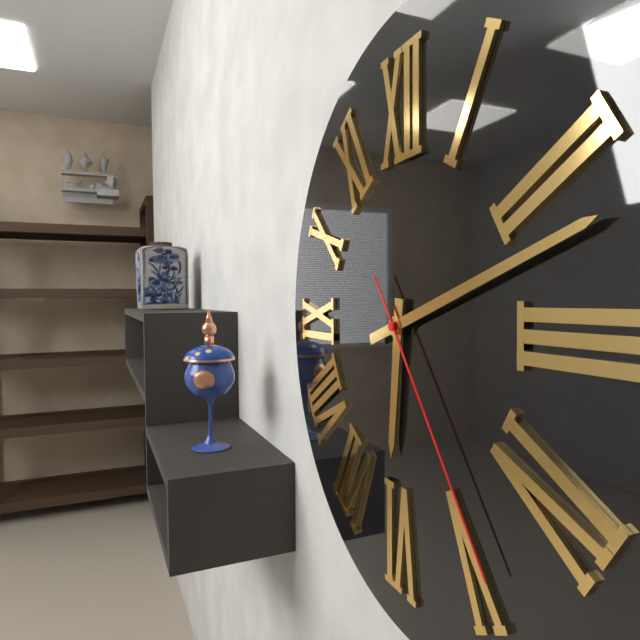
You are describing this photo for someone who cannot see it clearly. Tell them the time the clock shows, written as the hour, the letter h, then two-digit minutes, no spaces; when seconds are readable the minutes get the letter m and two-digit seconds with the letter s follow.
6h12m24s
